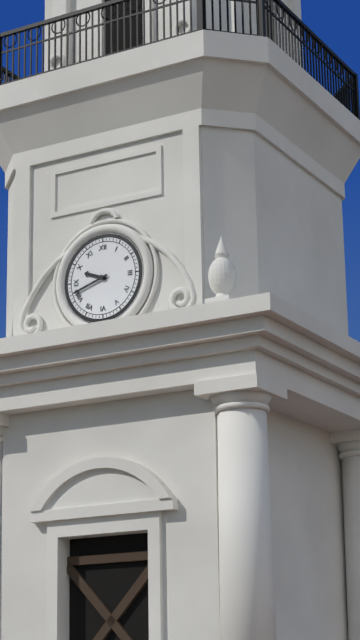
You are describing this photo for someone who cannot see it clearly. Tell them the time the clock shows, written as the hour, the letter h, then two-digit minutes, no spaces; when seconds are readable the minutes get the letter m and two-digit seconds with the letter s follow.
9h42
